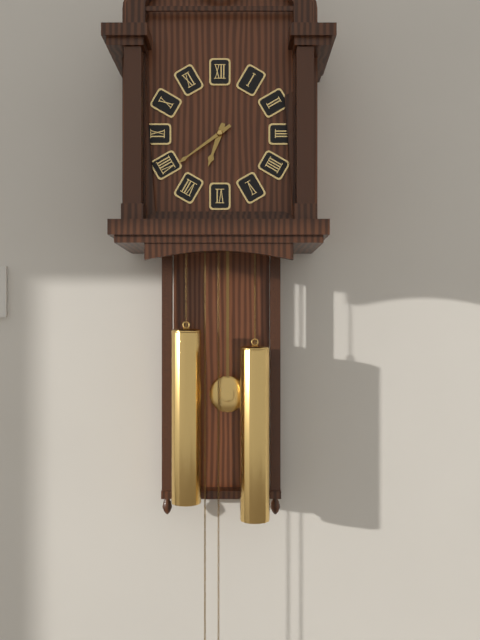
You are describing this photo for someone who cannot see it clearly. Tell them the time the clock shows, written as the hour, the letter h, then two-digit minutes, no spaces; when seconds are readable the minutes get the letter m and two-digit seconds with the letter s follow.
6h39
